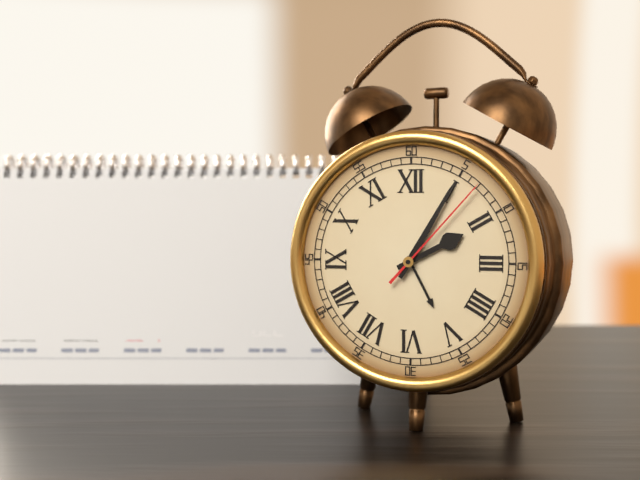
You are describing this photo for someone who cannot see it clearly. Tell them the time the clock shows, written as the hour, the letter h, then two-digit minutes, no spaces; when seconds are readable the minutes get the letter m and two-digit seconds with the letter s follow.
2h05m07s
